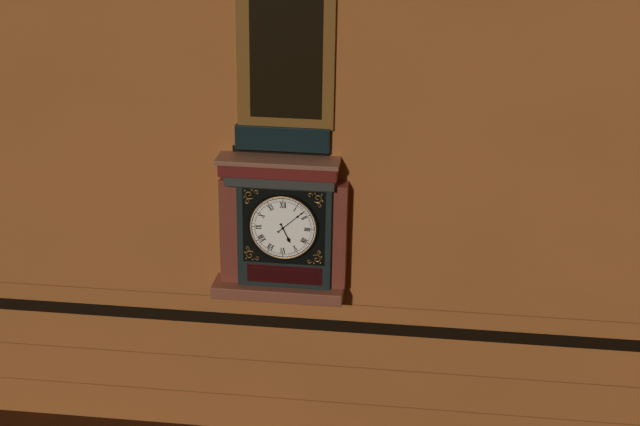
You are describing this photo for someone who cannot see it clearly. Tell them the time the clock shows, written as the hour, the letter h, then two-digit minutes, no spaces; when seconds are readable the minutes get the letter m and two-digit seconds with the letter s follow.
5h08
